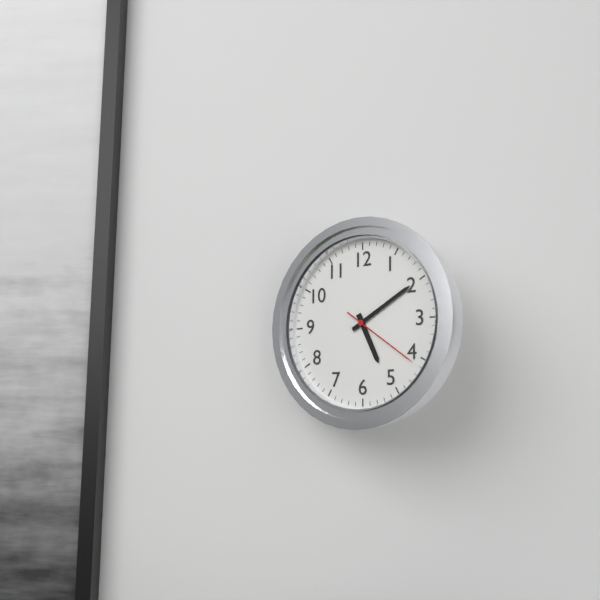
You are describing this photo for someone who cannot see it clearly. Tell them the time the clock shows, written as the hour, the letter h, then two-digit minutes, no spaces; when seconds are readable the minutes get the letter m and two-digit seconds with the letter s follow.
5h10m21s
